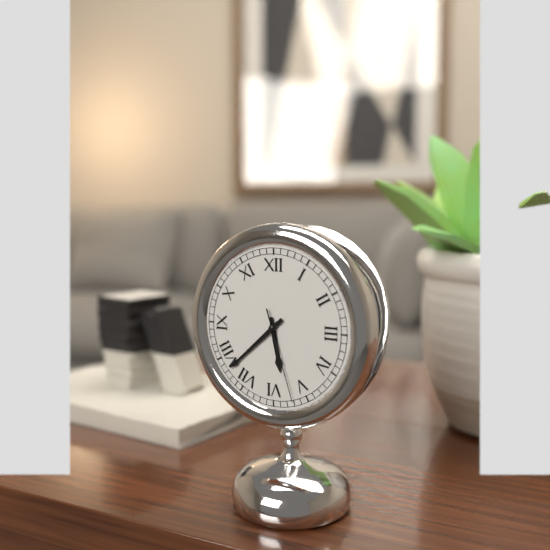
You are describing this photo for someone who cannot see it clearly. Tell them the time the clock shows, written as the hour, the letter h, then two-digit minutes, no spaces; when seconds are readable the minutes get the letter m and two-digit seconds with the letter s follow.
5h38m27s
